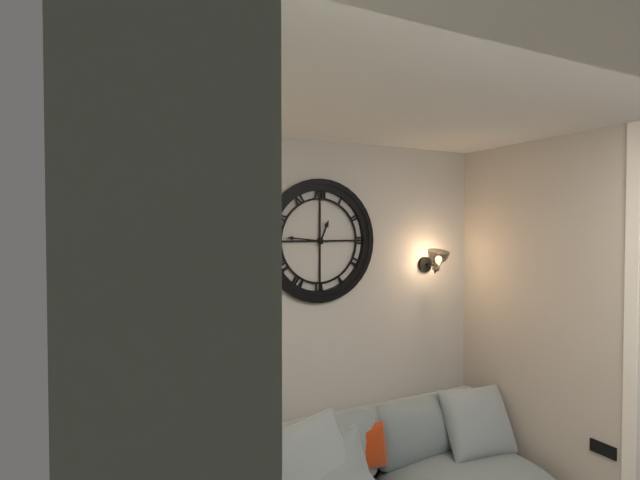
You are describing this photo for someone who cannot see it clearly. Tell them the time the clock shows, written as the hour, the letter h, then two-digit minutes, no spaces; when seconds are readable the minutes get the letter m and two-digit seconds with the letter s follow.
12h46
